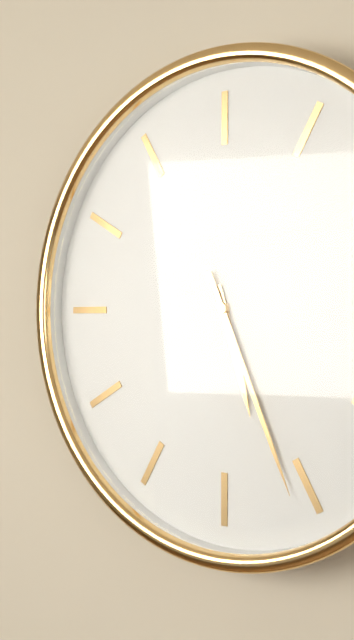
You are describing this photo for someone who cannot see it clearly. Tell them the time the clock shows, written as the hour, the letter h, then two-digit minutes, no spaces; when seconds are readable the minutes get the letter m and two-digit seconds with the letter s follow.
5h26
